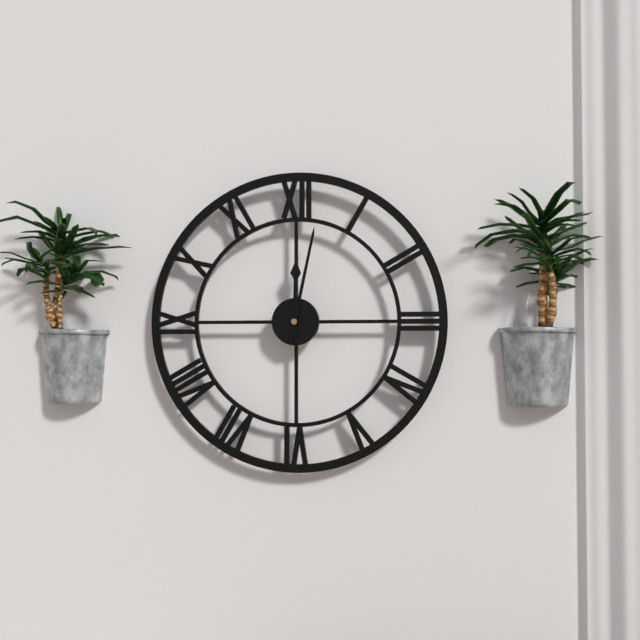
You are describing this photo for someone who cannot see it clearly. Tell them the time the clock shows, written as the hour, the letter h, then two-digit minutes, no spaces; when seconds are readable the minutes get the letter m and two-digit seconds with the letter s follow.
12h02
